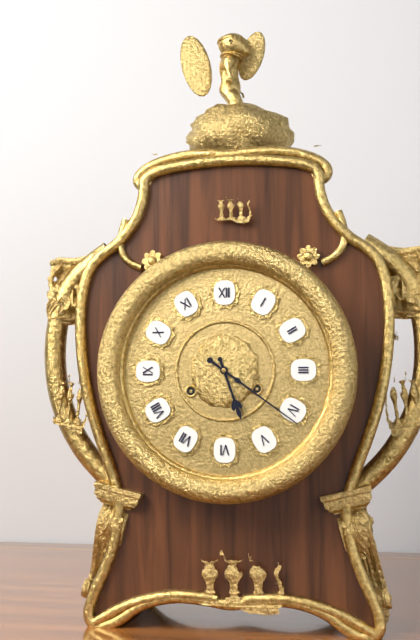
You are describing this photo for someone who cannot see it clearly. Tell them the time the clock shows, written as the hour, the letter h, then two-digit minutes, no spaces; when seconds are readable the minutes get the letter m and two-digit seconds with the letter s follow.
5h21
